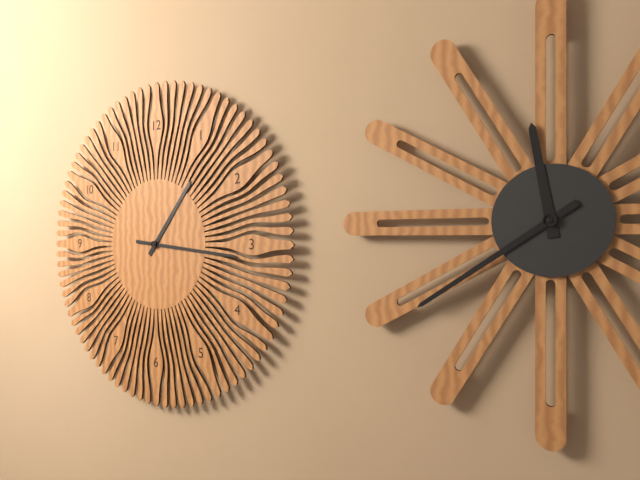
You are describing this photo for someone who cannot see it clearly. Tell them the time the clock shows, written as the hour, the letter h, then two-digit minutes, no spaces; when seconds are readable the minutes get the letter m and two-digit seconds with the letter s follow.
1h16
